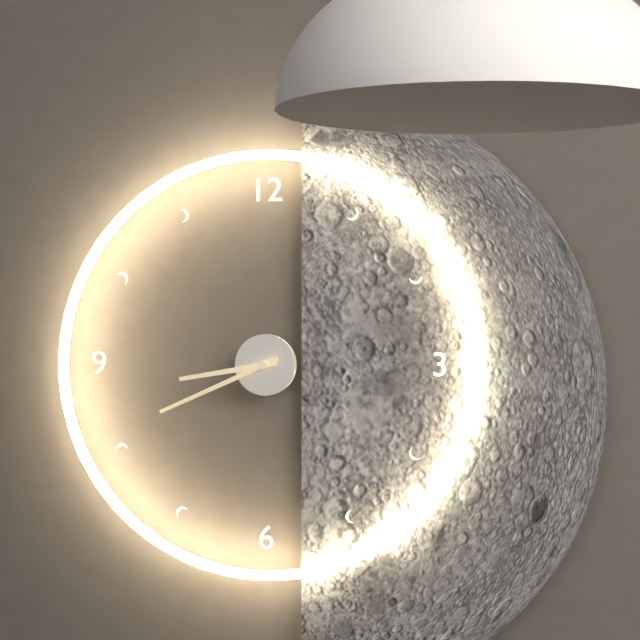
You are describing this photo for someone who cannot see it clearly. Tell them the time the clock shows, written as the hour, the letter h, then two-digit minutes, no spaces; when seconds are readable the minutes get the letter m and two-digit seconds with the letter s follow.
8h41
